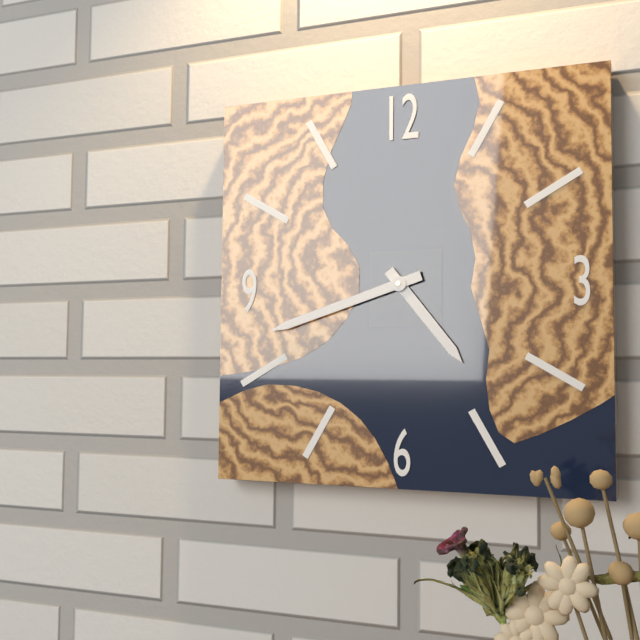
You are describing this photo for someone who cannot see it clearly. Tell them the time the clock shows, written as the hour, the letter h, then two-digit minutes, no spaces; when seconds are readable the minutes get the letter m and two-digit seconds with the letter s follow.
4h42
